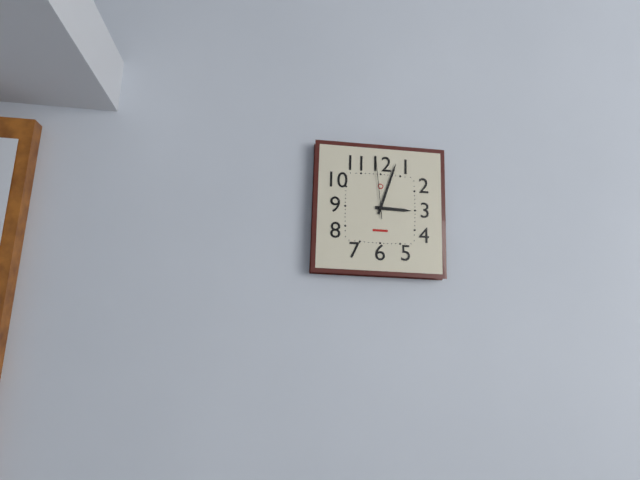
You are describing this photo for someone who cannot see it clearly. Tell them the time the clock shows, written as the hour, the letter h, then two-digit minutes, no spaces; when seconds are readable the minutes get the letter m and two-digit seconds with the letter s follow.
3h03m59s
